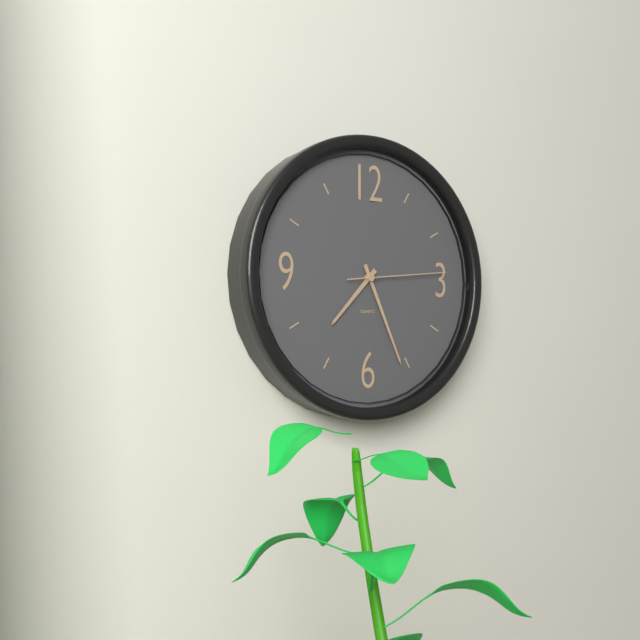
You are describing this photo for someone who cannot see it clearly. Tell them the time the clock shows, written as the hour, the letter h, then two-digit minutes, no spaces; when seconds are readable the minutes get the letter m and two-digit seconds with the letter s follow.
7h26m14s
